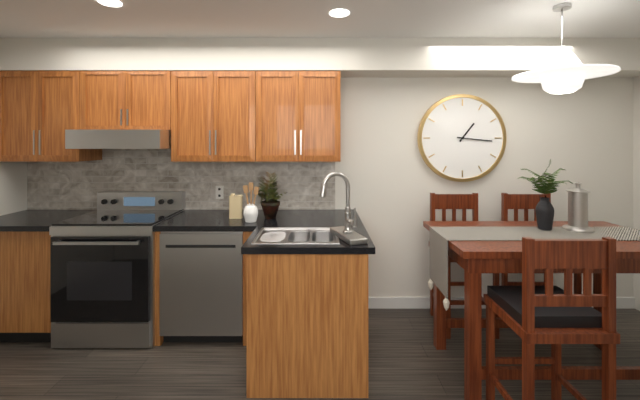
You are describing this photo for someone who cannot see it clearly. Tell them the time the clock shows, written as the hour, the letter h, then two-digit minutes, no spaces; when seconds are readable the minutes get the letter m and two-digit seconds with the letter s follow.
1h16
